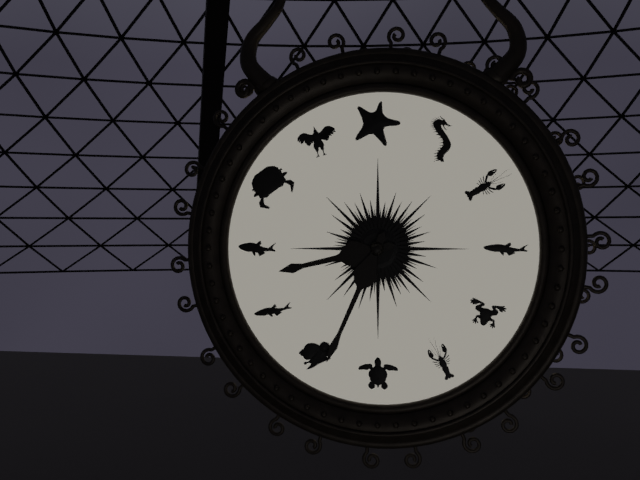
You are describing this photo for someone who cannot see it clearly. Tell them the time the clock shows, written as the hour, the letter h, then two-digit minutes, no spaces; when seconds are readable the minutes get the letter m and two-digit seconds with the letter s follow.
8h34
